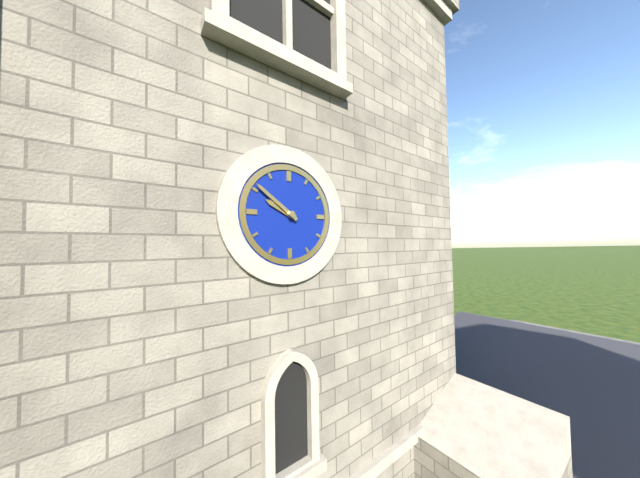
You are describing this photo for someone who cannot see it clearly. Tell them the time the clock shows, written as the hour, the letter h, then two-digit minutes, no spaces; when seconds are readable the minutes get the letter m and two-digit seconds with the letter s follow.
9h51
